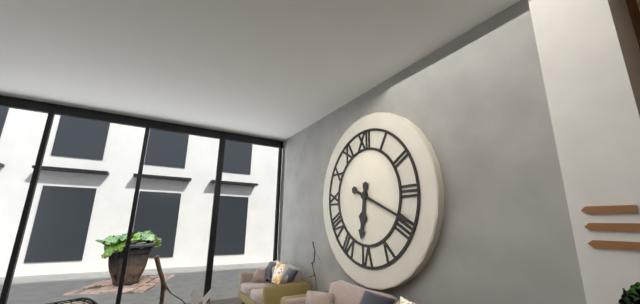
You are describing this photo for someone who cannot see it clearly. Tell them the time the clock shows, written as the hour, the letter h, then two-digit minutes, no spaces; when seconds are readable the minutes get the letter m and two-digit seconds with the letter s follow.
6h19
